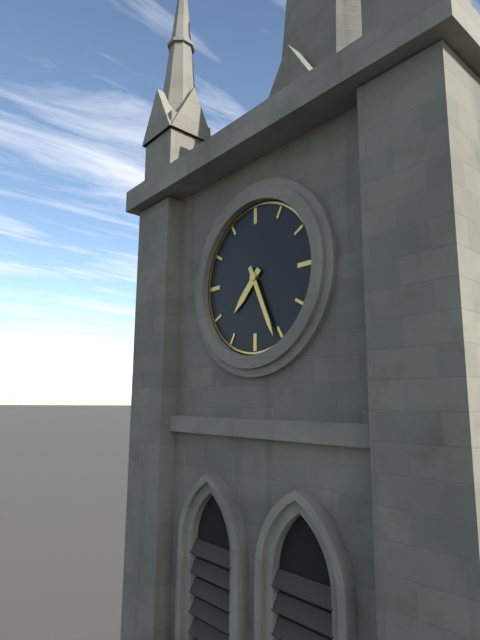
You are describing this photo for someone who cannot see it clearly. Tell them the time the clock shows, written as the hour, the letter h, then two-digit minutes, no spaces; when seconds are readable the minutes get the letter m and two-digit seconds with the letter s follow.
7h26
